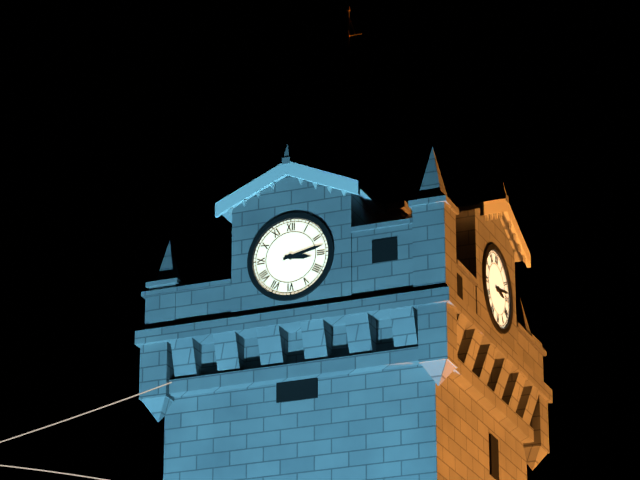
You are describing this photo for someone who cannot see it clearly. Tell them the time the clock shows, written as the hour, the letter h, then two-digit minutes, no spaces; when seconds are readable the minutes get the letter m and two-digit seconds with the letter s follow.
3h13
